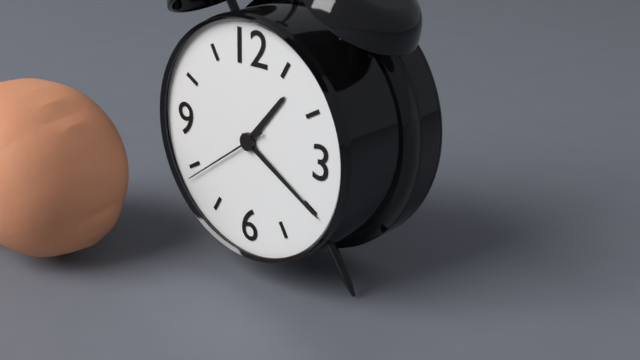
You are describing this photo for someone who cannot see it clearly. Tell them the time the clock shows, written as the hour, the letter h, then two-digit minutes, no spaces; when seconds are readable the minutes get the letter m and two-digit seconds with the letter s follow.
1h20m39s
